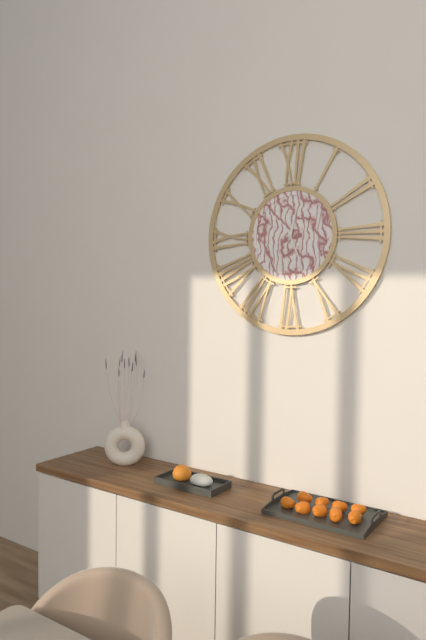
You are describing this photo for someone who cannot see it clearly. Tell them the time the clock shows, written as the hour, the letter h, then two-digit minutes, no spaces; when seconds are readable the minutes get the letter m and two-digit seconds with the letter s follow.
12h26
